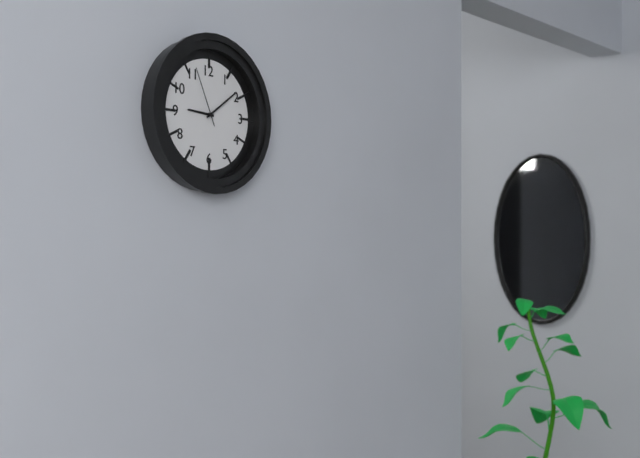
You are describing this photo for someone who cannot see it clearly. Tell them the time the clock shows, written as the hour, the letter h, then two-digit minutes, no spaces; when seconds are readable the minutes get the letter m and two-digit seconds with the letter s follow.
9h09m56s
